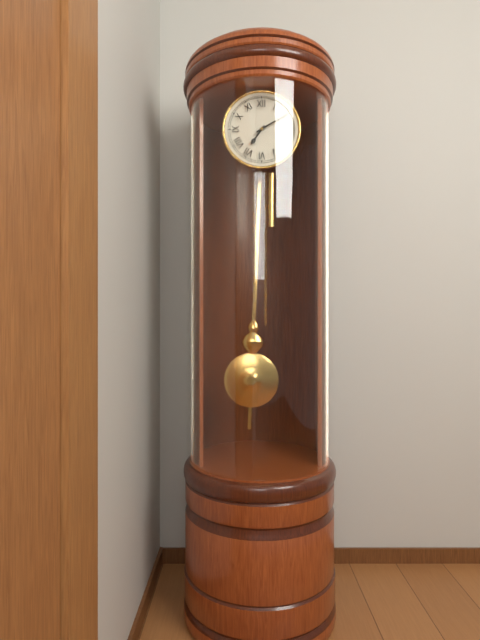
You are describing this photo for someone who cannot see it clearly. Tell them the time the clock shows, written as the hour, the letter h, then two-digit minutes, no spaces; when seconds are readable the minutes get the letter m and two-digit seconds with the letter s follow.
7h10
